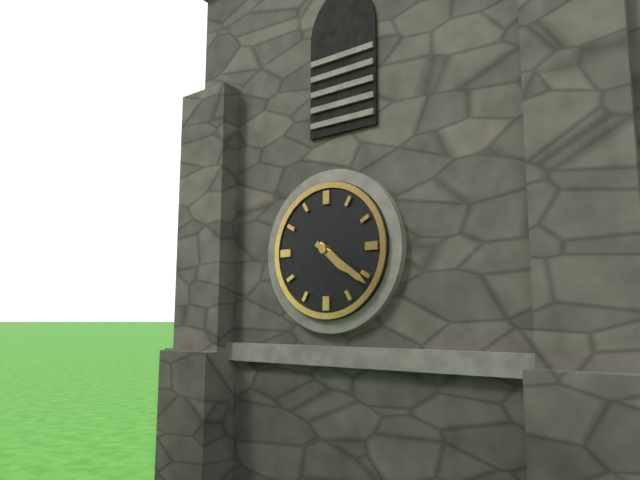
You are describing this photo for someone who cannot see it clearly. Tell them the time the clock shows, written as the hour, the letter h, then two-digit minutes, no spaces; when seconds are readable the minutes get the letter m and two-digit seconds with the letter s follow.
4h21
